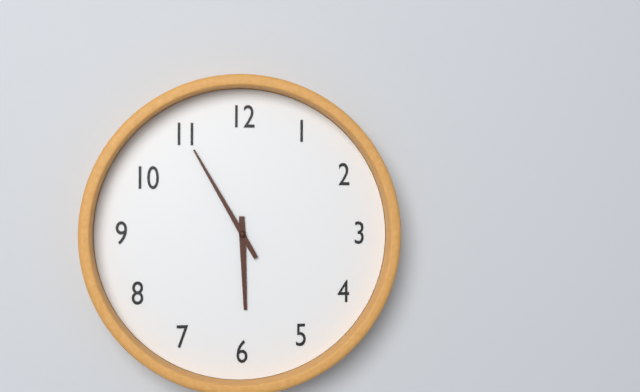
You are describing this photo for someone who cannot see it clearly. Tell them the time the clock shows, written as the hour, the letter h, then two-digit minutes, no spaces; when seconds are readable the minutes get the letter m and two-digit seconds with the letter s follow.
5h55
